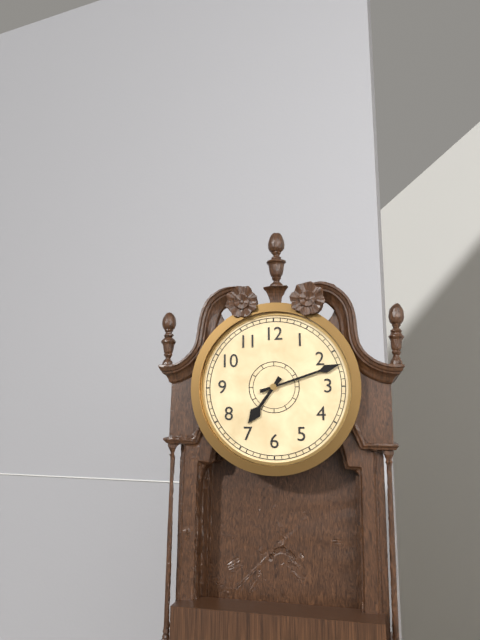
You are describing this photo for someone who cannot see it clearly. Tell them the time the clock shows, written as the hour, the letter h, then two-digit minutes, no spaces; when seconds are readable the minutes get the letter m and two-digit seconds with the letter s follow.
7h12
